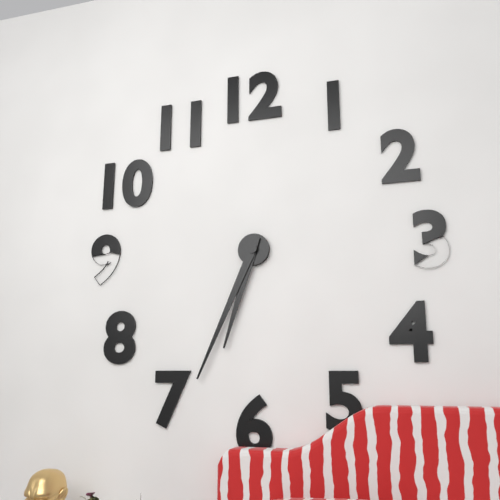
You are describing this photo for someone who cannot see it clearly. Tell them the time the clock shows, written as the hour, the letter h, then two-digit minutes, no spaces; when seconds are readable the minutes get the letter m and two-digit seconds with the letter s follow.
6h34
